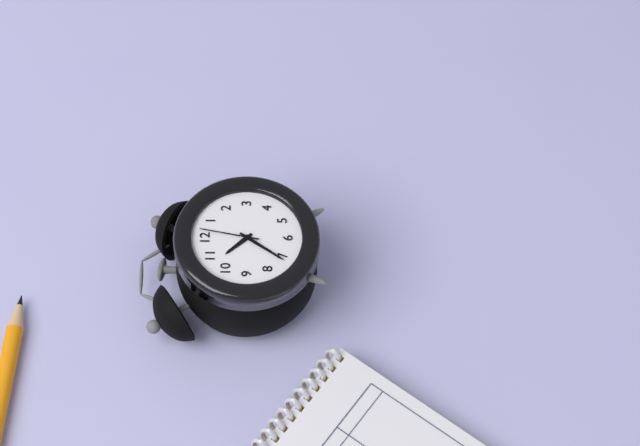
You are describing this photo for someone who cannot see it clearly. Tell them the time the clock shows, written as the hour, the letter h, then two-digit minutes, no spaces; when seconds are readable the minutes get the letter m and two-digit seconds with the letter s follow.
10h36m02s
